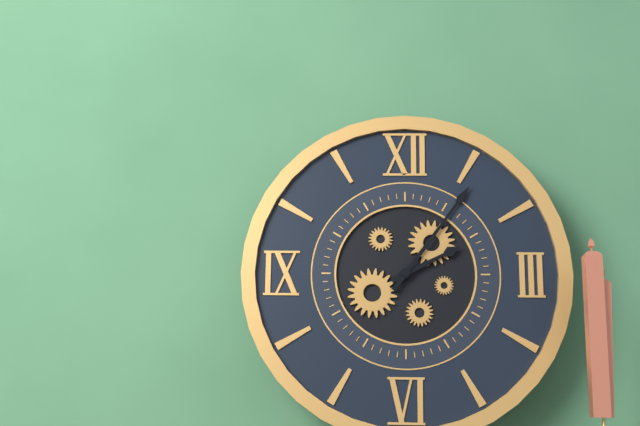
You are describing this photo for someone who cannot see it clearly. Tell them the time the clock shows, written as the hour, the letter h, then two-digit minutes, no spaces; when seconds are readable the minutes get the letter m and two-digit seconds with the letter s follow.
2h06
